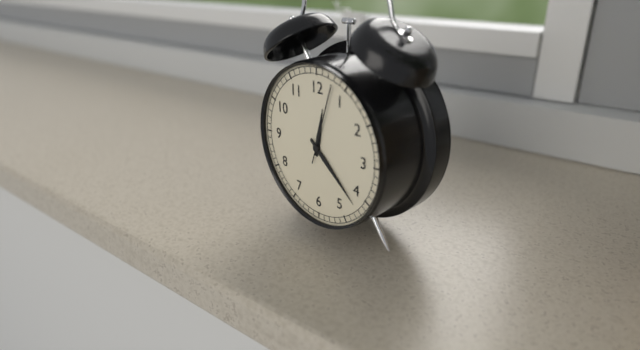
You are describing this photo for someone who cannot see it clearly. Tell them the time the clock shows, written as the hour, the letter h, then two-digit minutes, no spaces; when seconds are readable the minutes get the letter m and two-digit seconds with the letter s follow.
12h22m03s
